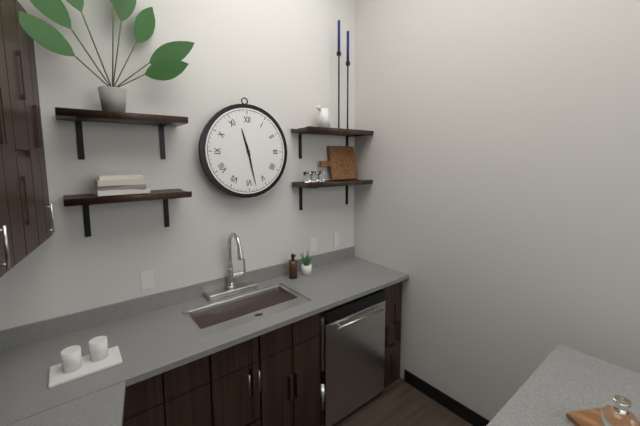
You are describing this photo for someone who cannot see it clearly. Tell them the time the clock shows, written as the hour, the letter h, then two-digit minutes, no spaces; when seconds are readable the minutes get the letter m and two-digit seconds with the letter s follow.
11h28
